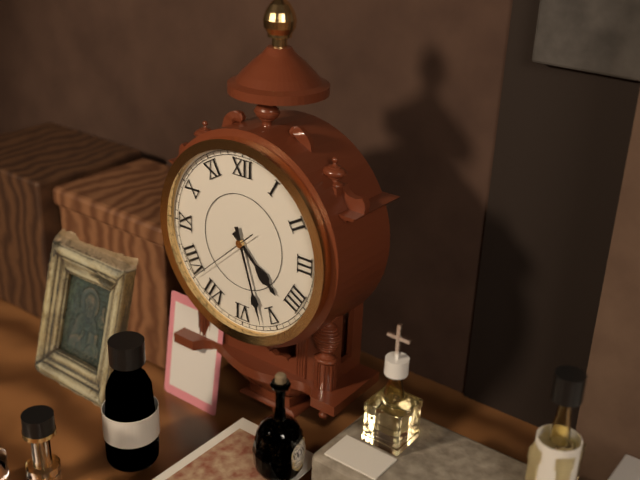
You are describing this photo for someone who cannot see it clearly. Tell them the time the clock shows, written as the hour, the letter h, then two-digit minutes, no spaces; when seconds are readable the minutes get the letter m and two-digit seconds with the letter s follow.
4h27m38s
